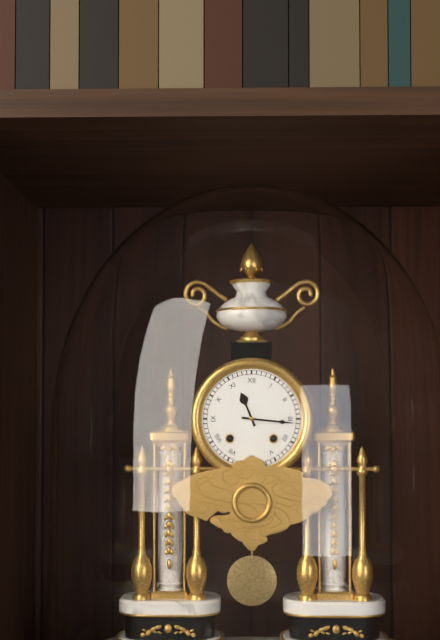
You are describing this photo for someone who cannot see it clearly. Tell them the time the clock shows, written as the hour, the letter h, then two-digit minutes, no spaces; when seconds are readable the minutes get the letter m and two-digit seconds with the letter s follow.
11h16
